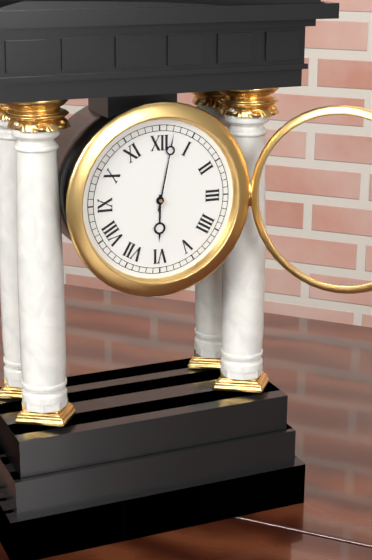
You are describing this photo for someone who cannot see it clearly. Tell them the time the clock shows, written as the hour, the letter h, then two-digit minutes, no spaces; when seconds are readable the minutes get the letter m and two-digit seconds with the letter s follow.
6h02
